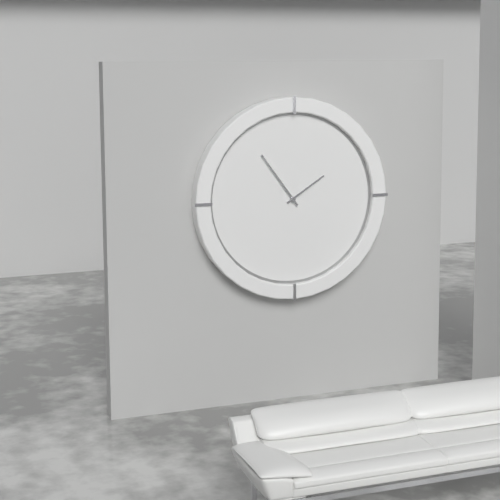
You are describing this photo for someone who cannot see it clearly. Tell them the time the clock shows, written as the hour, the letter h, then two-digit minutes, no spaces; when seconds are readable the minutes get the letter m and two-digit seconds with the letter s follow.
1h54
